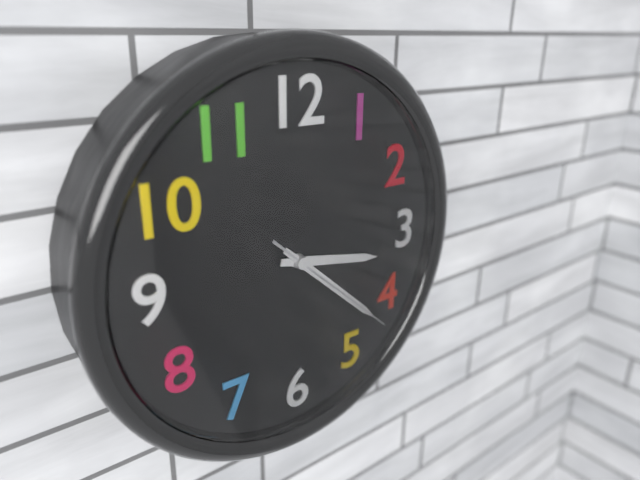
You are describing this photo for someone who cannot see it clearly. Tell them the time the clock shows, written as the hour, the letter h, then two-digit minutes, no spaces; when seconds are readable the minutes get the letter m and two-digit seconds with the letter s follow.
3h22m22s
